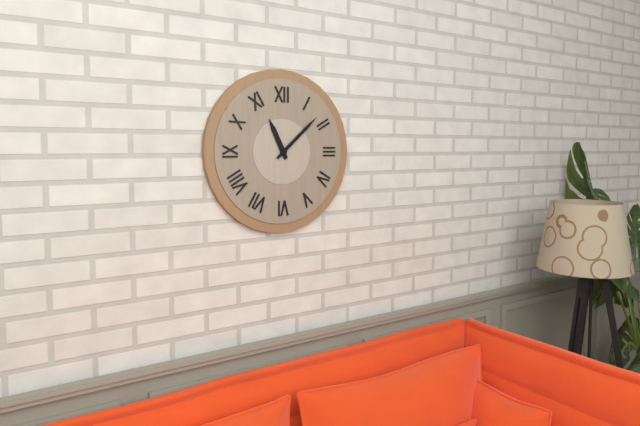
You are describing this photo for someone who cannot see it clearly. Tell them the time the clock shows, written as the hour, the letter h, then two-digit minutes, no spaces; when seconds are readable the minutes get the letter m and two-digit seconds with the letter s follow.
11h08
